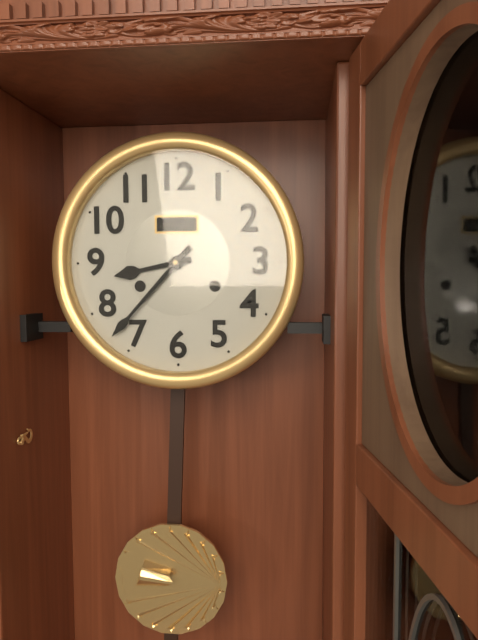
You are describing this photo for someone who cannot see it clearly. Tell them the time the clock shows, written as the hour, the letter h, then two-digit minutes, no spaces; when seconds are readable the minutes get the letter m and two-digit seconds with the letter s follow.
8h37
